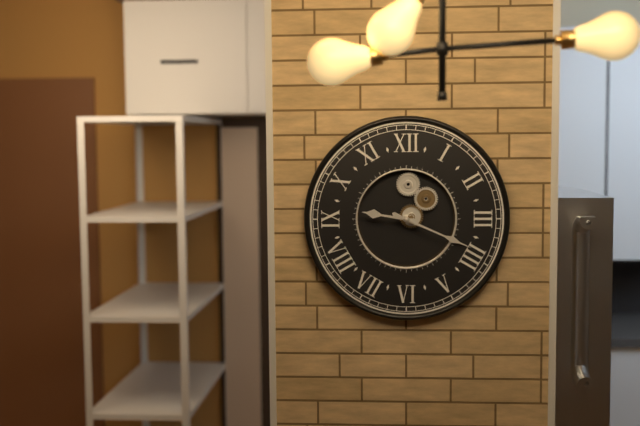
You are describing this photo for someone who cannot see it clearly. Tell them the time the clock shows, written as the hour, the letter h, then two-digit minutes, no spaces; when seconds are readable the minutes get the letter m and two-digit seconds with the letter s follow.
9h19
